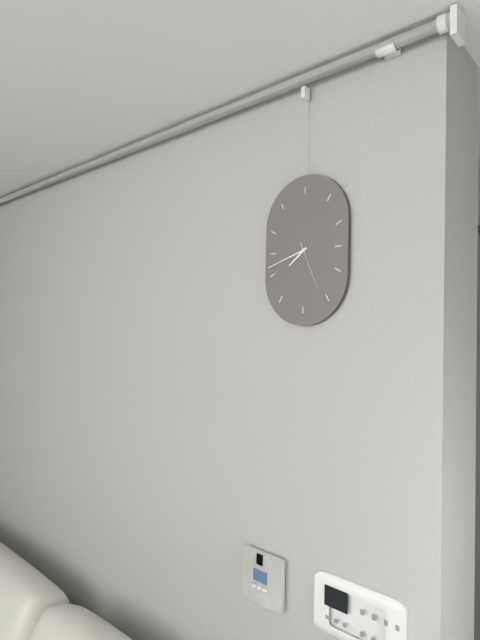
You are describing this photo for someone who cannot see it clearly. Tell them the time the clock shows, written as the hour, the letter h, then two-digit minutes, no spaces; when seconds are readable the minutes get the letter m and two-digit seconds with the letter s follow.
7h42m26s
